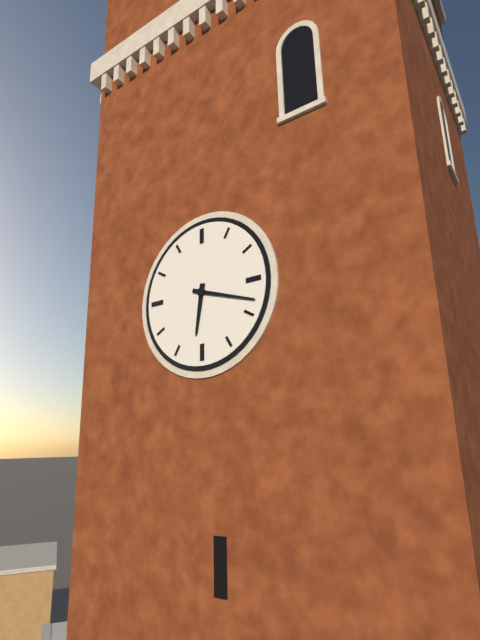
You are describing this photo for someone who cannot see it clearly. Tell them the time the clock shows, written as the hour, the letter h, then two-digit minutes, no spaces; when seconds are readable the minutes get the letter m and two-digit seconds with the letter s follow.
6h18
